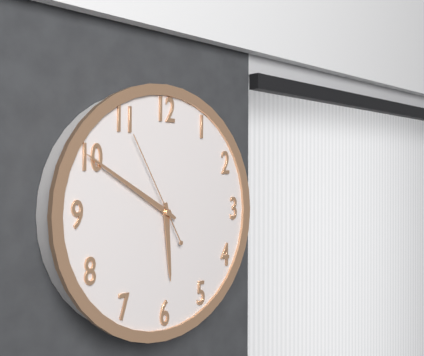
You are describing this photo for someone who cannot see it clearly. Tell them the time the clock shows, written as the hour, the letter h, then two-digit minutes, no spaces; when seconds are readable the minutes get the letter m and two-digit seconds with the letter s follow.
5h50m55s
